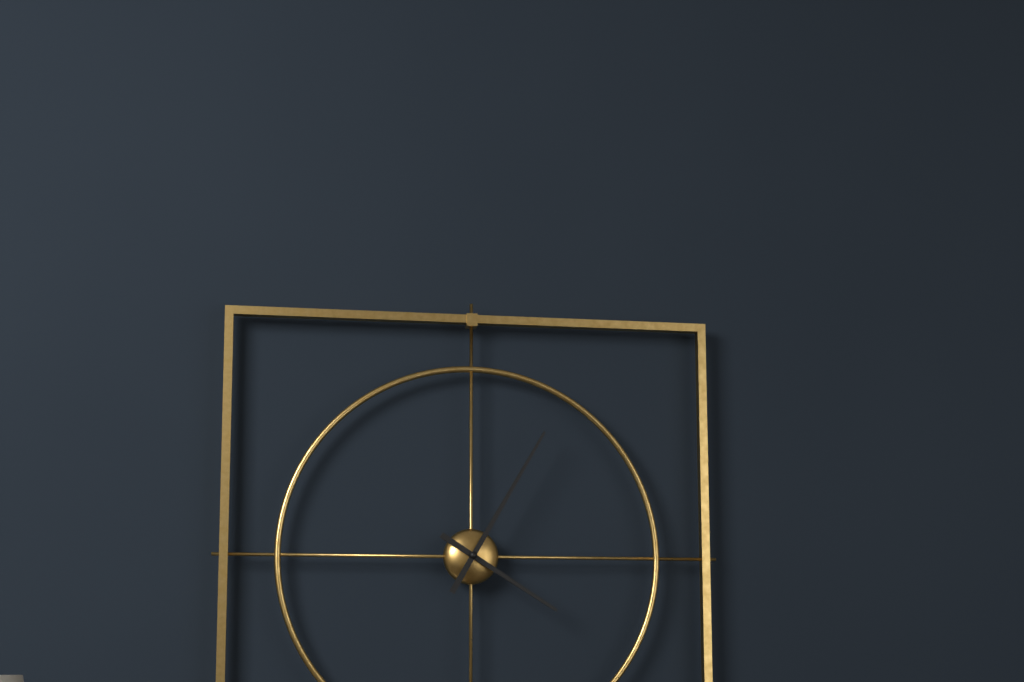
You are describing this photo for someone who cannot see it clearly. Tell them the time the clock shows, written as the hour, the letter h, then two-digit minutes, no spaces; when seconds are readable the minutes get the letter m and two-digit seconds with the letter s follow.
4h05
